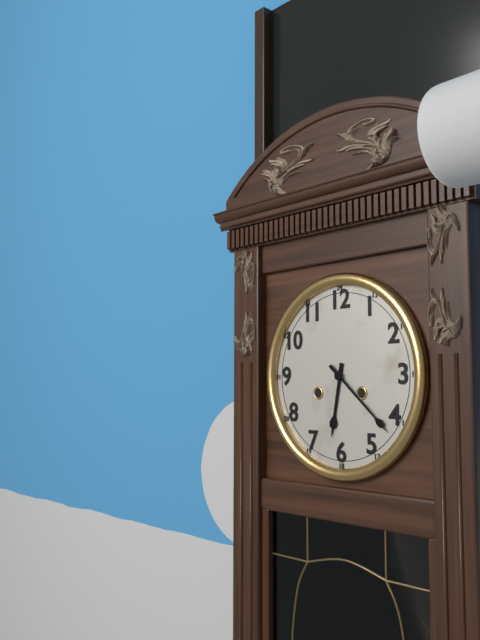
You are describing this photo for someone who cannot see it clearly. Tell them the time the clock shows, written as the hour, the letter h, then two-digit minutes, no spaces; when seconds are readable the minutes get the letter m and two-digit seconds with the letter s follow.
6h22
